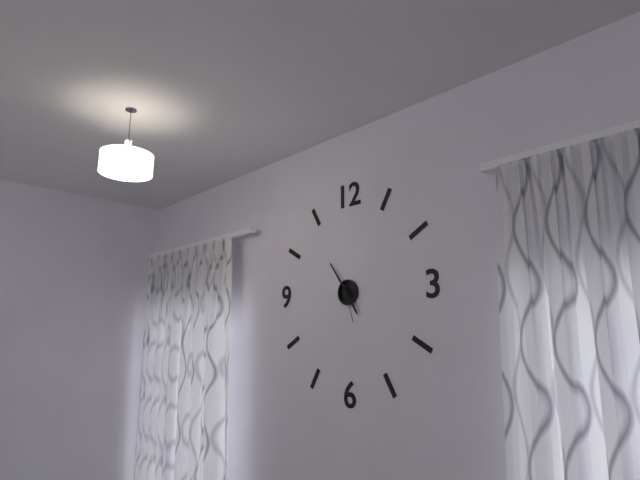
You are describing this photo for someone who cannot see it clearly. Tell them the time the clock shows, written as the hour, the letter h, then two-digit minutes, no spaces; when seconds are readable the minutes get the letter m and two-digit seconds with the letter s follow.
4h54
